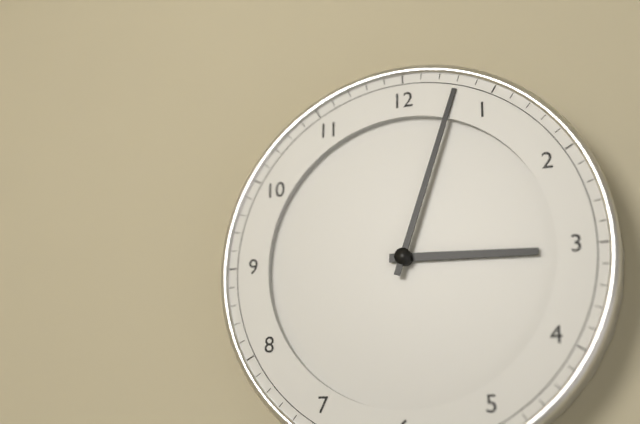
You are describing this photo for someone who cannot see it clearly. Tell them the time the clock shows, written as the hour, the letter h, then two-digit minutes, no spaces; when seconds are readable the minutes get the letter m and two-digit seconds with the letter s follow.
3h03
